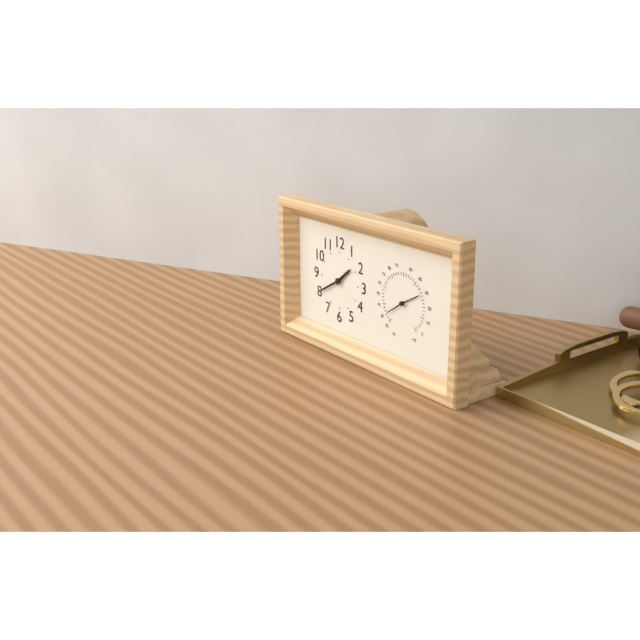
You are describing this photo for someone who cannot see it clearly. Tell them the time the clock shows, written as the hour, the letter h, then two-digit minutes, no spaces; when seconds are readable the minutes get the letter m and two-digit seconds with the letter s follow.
1h40
